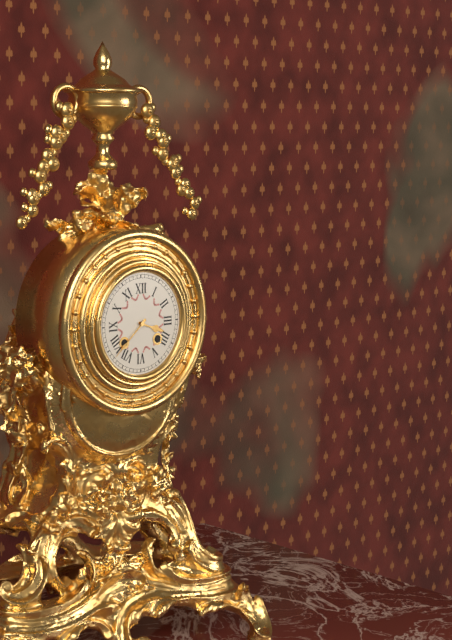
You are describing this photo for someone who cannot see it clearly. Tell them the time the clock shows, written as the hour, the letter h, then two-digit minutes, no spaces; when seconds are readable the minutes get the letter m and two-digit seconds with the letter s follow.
3h38
